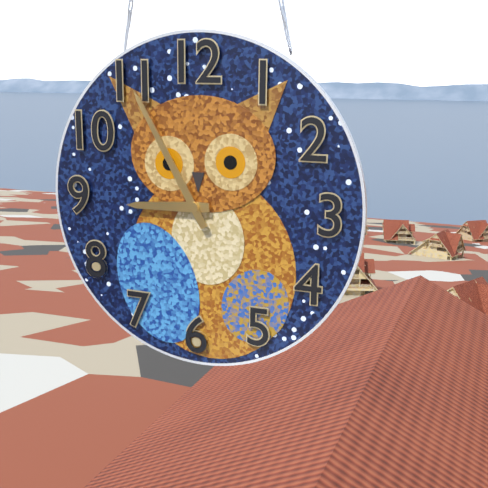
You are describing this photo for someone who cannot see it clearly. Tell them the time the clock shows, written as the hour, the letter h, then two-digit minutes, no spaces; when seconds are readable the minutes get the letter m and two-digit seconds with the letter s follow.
8h55
